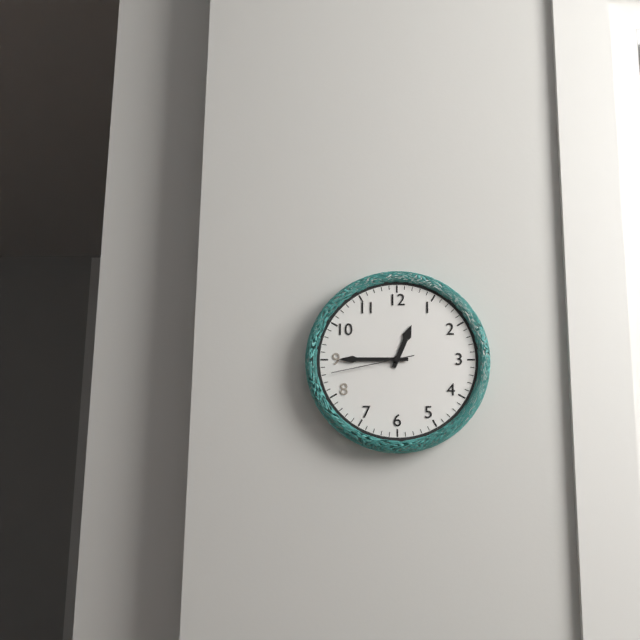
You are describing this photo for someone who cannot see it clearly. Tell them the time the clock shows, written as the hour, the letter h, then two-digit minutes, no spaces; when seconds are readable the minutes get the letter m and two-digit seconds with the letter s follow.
12h45m43s
